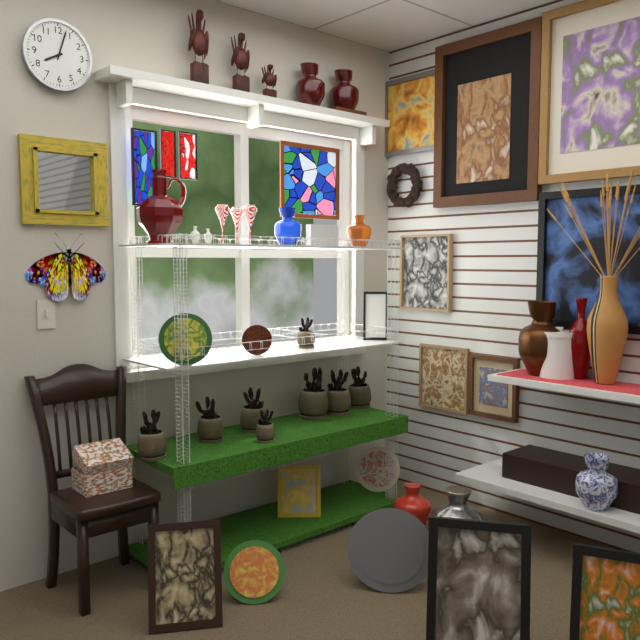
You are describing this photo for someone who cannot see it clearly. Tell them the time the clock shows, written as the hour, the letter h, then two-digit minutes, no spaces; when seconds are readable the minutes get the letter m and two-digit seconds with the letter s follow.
8h03
